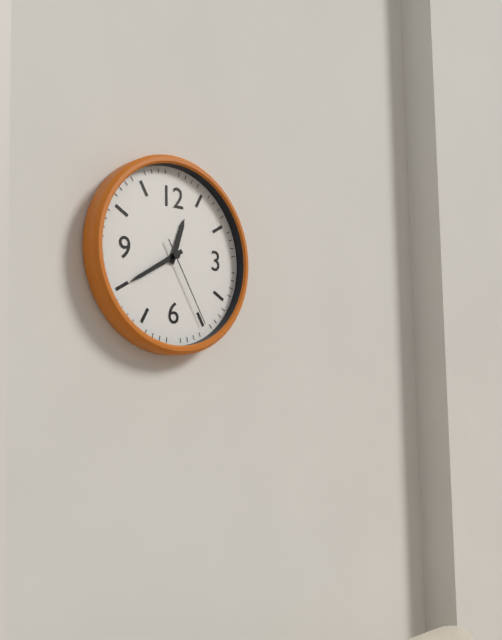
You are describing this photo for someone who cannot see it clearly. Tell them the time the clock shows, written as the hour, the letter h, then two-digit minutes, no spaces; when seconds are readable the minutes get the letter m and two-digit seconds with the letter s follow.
12h40m25s
